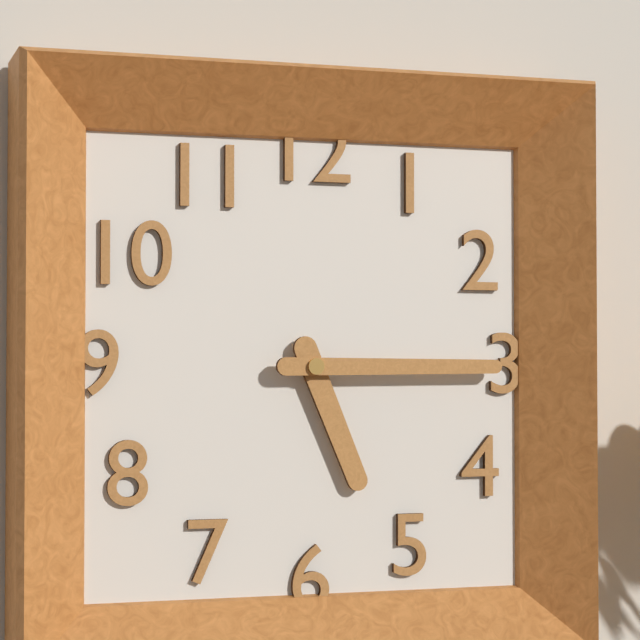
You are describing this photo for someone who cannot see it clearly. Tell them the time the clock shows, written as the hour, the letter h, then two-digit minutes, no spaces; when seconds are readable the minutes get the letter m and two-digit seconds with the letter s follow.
5h15
